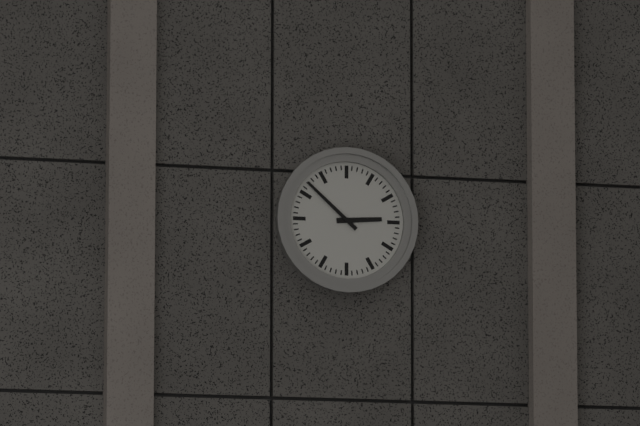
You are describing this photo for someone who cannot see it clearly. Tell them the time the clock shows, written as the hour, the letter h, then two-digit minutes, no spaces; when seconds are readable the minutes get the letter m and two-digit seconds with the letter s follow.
2h52
